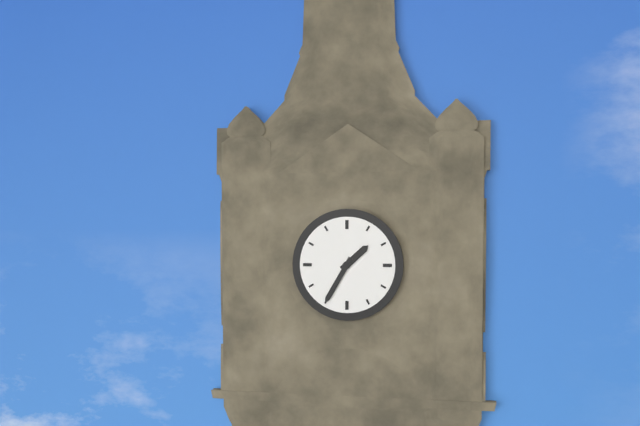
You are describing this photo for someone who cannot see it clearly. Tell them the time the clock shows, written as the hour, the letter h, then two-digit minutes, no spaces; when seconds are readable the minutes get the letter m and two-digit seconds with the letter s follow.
1h35
